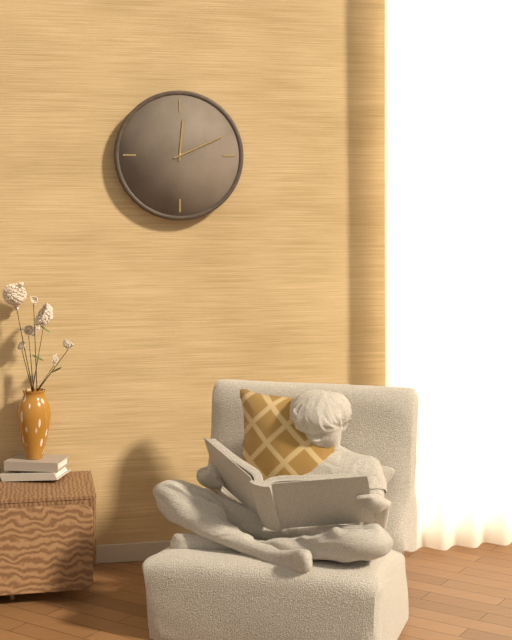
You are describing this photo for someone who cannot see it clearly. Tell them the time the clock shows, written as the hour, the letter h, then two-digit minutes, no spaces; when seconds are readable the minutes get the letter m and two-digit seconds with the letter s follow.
12h11
